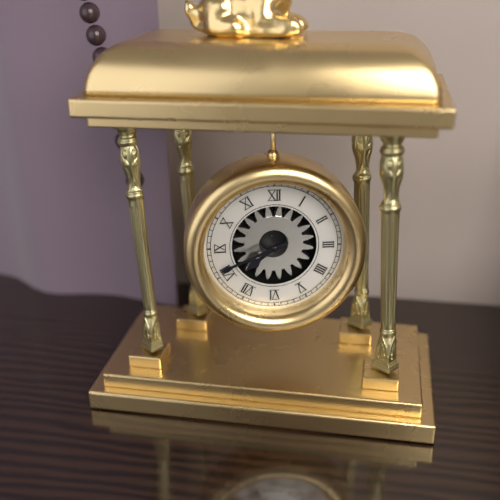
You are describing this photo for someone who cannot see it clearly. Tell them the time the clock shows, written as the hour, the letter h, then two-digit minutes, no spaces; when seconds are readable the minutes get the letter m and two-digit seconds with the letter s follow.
7h41
